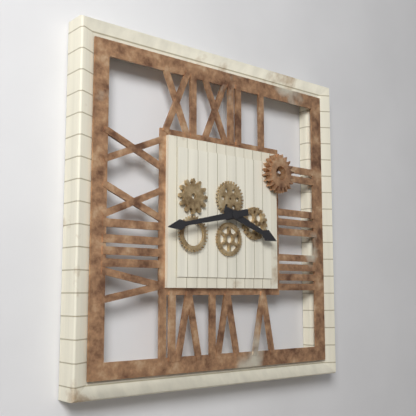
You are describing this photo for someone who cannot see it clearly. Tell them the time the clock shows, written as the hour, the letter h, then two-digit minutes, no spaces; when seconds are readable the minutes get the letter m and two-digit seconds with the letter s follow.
3h43
